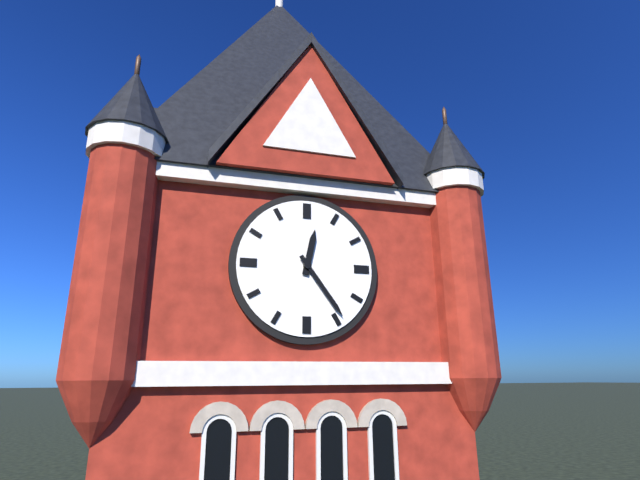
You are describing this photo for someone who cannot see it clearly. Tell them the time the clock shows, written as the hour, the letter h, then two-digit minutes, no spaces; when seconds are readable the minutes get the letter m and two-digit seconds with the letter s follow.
12h24
